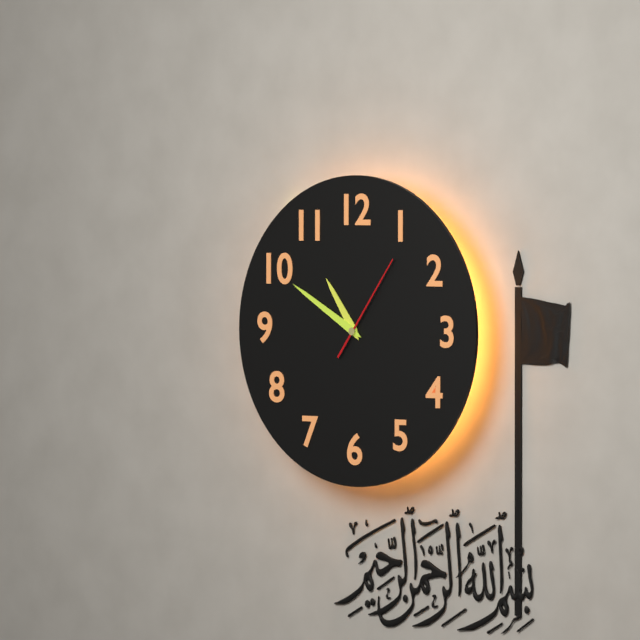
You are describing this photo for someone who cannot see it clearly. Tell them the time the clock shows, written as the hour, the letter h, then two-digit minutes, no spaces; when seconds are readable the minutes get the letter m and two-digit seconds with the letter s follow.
10h50m06s
